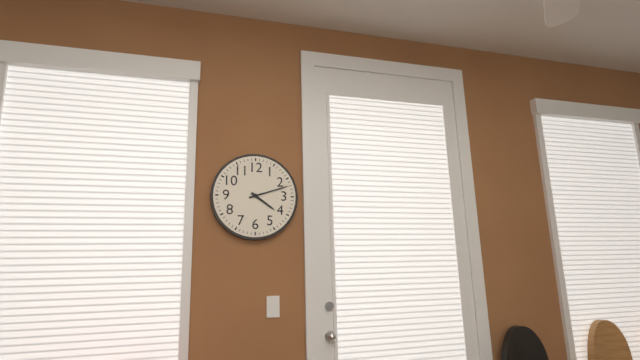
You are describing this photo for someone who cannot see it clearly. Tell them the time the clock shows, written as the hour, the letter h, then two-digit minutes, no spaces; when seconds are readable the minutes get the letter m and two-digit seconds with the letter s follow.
4h12
